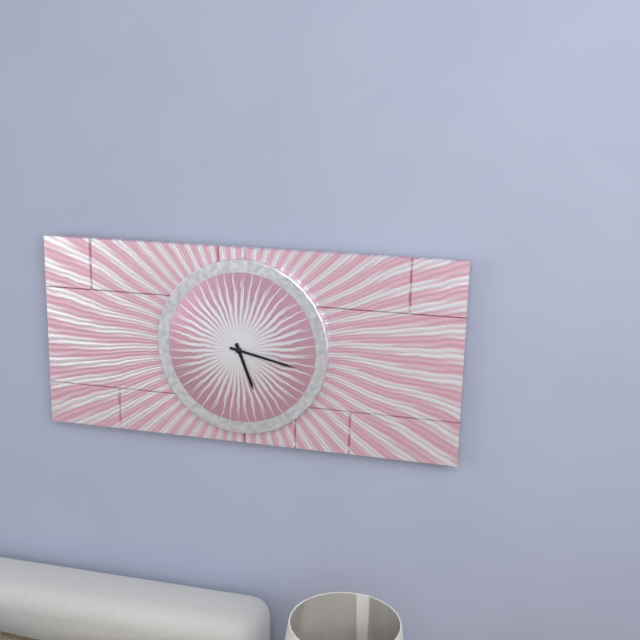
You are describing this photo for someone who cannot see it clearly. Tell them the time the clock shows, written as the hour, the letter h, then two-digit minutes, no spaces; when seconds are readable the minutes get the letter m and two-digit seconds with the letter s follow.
5h17
